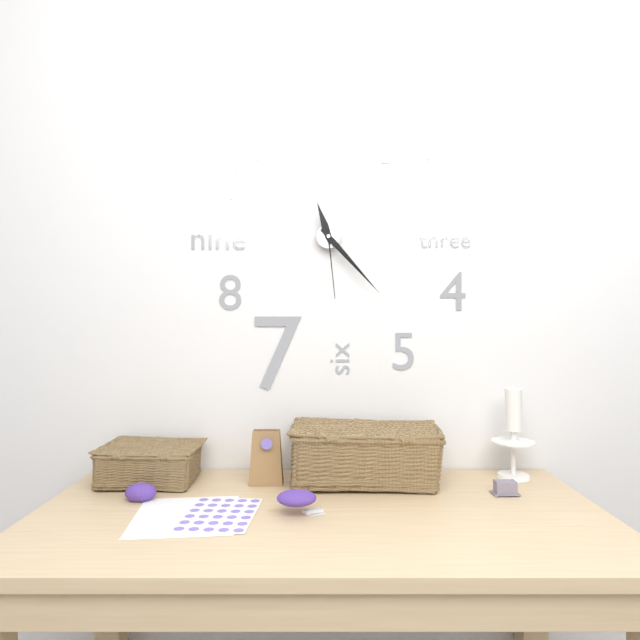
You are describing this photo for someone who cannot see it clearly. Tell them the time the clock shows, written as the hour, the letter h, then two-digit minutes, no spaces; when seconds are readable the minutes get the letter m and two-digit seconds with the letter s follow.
11h23m29s
